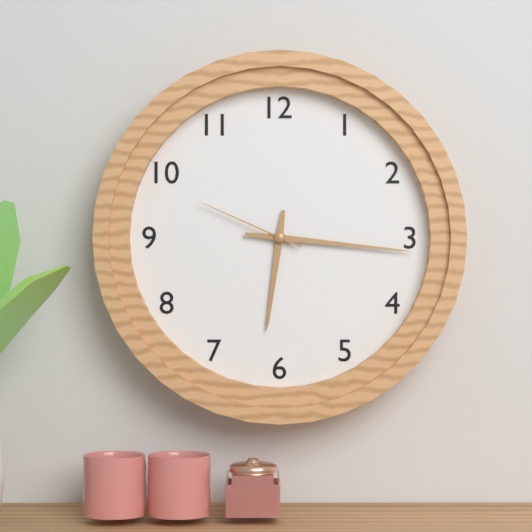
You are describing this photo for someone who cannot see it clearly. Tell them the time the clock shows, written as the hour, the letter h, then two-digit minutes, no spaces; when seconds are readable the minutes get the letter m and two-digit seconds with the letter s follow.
6h16m49s
